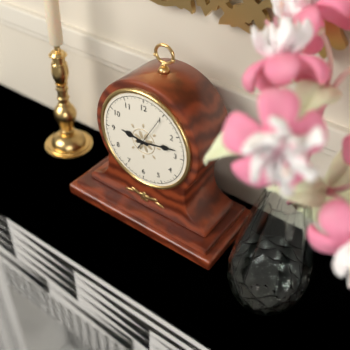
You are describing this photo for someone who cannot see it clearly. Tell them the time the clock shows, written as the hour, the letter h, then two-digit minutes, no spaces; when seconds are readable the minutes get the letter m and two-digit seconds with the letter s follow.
9h13
